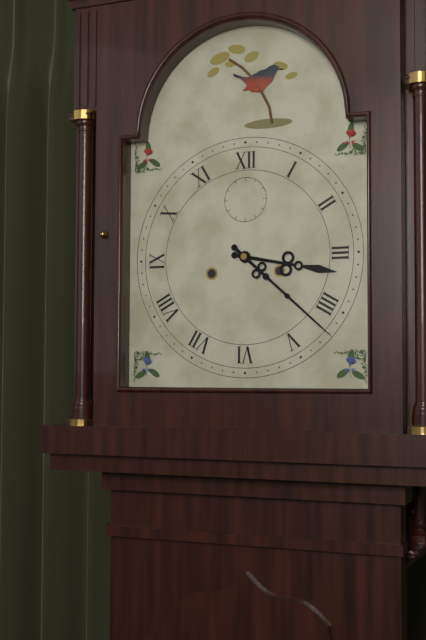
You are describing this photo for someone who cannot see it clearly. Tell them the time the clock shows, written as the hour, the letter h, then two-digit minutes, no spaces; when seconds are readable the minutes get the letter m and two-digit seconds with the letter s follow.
3h22
